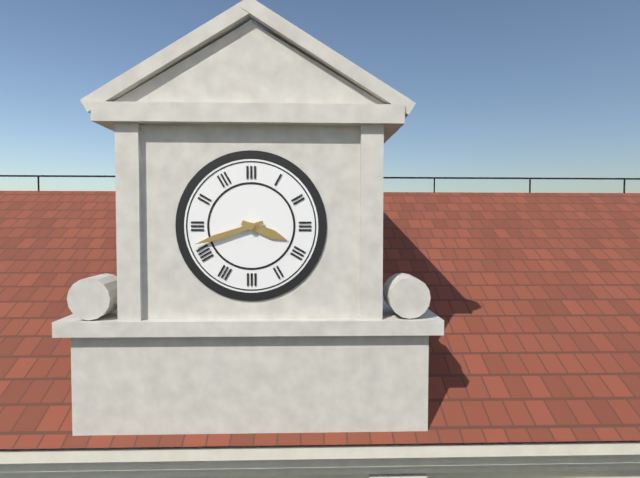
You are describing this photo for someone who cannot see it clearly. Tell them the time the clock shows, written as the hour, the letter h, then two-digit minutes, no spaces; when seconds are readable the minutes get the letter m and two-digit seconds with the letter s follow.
3h42
